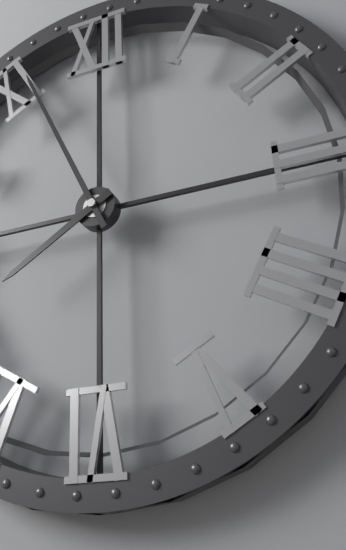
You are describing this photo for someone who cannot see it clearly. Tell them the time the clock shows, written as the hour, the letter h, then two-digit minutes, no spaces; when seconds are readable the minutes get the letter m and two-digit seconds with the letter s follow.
7h56
